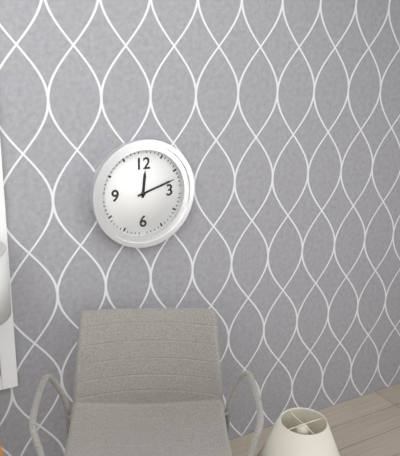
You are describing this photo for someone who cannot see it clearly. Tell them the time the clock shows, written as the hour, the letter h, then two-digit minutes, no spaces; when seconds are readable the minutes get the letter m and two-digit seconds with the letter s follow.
12h12
